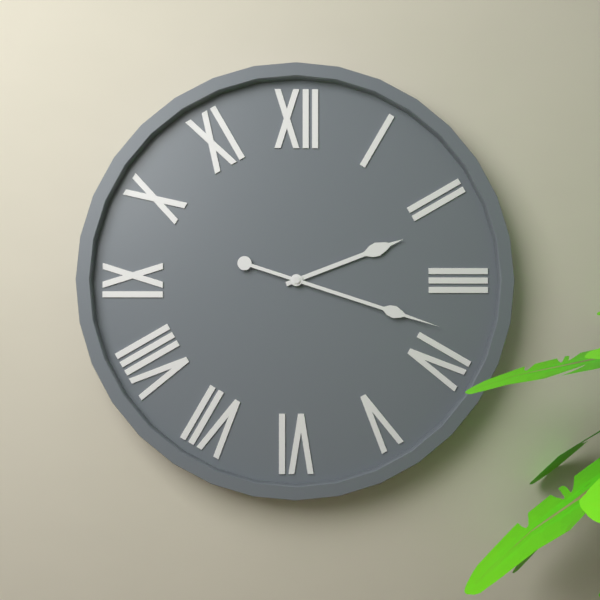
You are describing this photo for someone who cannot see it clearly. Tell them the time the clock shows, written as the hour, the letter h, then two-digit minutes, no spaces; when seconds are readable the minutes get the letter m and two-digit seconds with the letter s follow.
2h18
